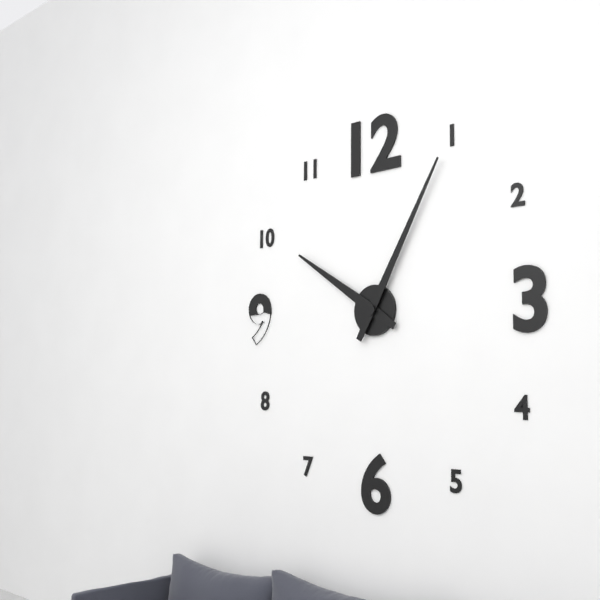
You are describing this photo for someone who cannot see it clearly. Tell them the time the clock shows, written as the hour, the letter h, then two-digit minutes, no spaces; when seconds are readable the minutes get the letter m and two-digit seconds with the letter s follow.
10h05
